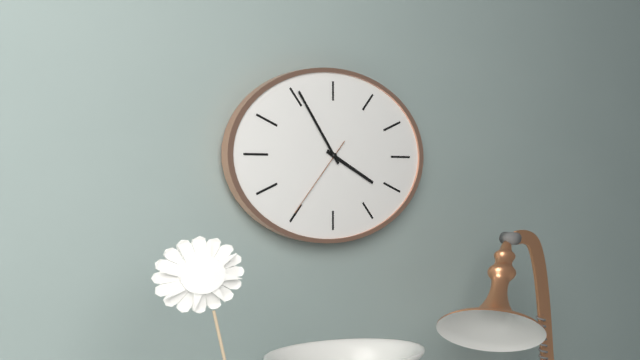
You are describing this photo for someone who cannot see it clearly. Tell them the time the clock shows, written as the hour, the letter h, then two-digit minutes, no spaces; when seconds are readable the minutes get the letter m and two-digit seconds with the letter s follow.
3h54m37s
